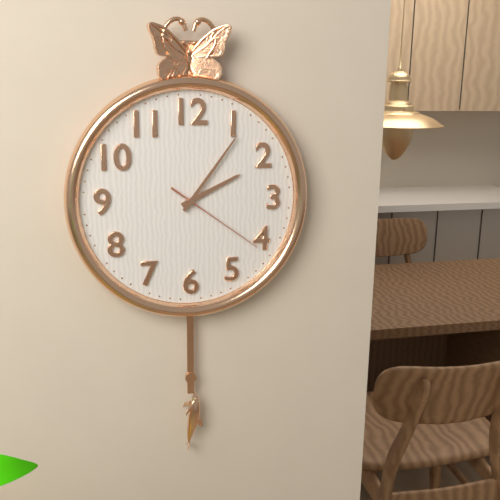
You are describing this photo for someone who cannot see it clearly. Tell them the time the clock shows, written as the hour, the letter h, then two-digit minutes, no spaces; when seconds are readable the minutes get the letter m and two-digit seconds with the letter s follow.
2h06m21s
